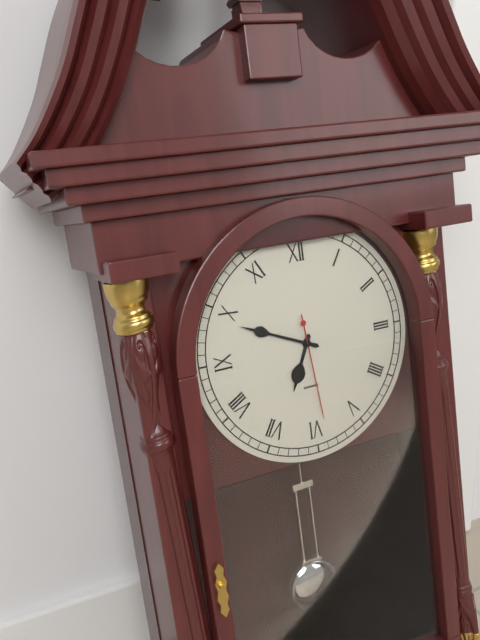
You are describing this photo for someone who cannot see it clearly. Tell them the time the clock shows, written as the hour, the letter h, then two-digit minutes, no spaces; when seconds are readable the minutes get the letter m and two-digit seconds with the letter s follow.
6h49m29s
